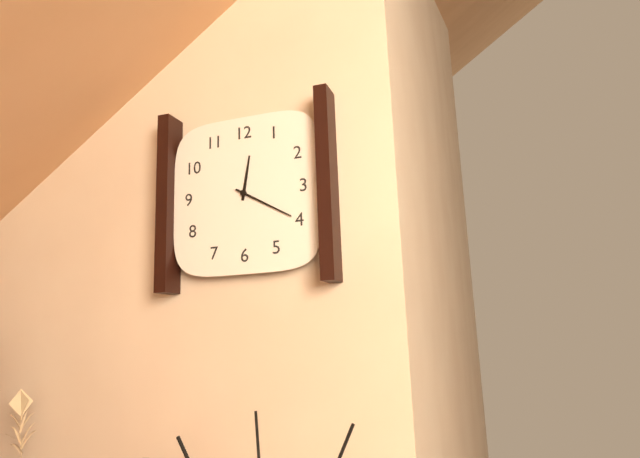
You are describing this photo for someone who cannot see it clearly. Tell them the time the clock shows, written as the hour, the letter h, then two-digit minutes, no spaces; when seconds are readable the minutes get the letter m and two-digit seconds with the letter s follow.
12h20
